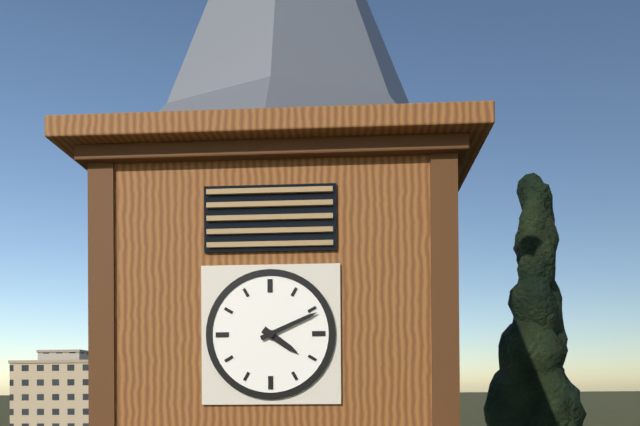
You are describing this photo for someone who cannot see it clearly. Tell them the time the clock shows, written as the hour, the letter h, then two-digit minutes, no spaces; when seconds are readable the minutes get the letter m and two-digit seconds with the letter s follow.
4h11
